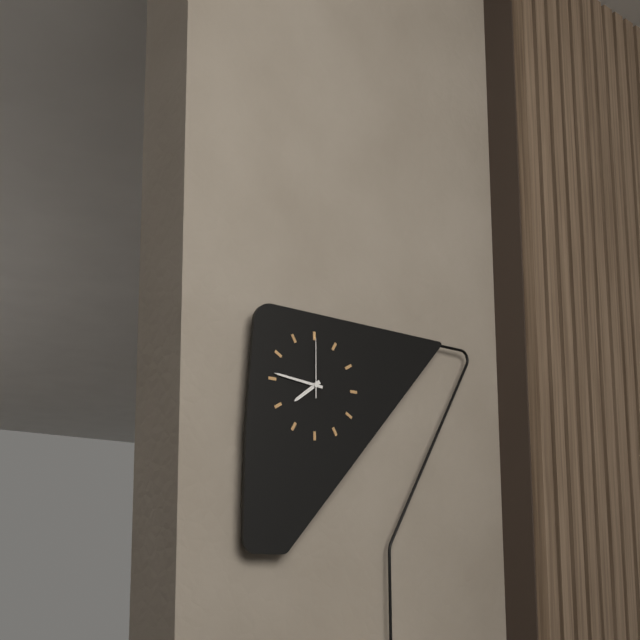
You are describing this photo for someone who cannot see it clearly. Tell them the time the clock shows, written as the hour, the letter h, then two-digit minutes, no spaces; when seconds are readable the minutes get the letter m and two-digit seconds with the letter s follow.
7h46m00s
